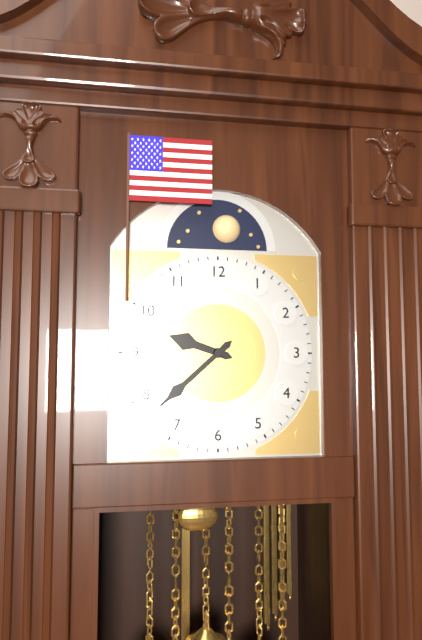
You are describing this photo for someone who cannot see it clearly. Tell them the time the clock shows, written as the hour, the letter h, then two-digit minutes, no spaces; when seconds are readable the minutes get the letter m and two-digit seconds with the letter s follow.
9h38
